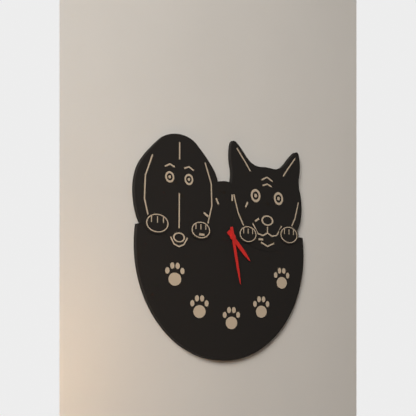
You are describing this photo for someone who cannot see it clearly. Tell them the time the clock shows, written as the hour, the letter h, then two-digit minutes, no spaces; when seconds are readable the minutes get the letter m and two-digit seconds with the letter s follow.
4h28
